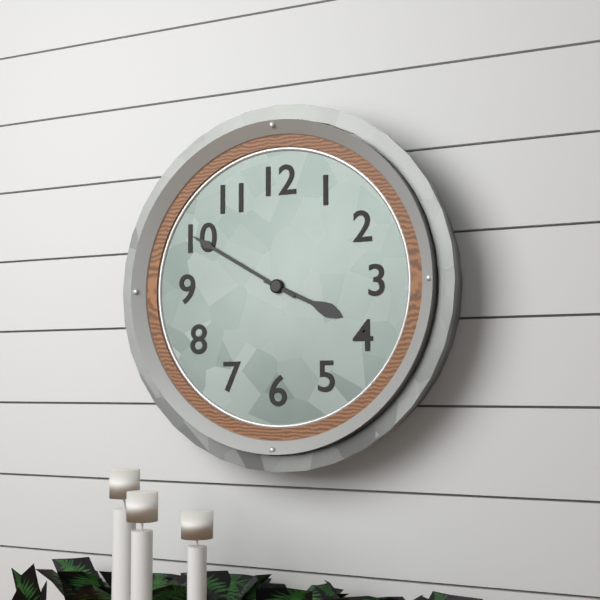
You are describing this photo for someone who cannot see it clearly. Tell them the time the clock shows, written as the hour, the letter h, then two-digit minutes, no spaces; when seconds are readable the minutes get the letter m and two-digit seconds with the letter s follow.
3h50
